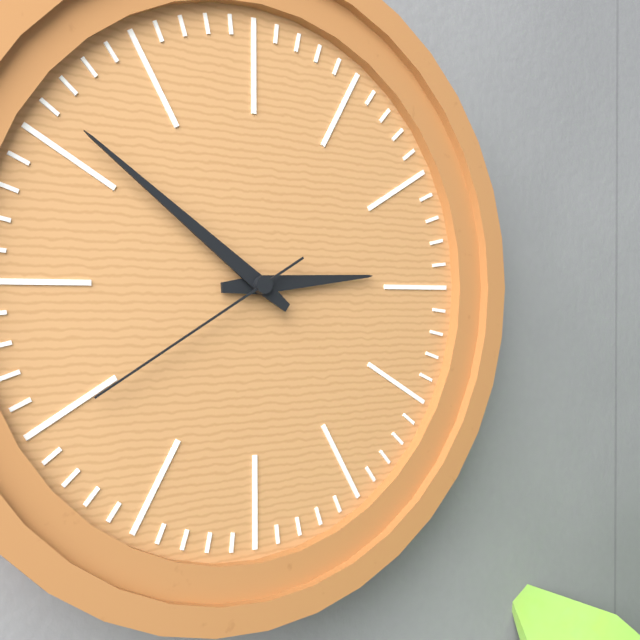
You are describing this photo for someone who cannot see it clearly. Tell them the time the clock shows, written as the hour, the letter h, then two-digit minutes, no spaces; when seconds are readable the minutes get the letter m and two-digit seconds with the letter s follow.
2h51m40s
